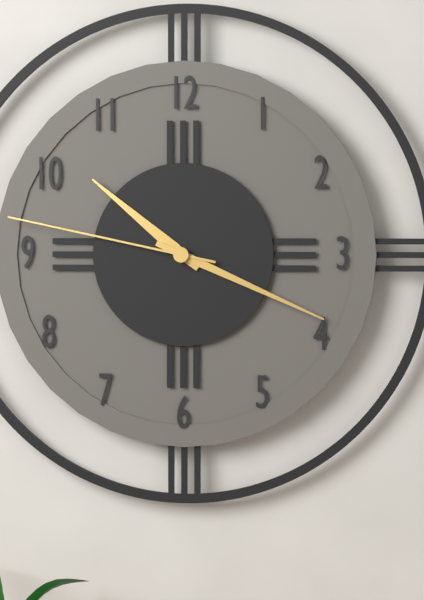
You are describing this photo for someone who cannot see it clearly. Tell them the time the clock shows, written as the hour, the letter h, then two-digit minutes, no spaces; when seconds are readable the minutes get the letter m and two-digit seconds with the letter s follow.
10h19m47s
